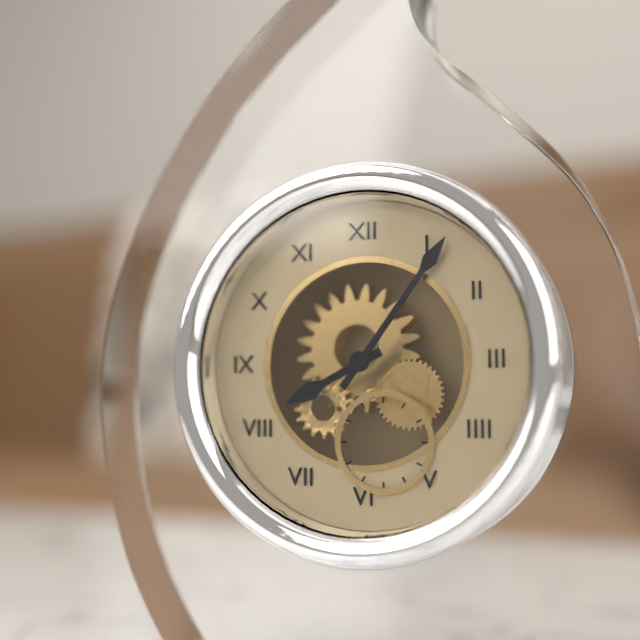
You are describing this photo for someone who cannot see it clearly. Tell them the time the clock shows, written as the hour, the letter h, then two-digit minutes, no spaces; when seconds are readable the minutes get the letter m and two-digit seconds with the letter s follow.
8h06
